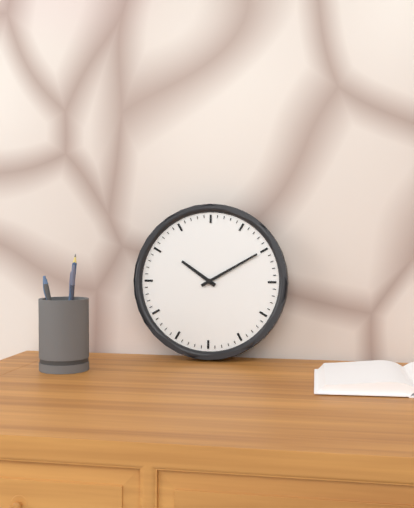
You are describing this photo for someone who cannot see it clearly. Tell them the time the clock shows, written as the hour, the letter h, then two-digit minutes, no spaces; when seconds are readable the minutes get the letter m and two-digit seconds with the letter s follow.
10h10
